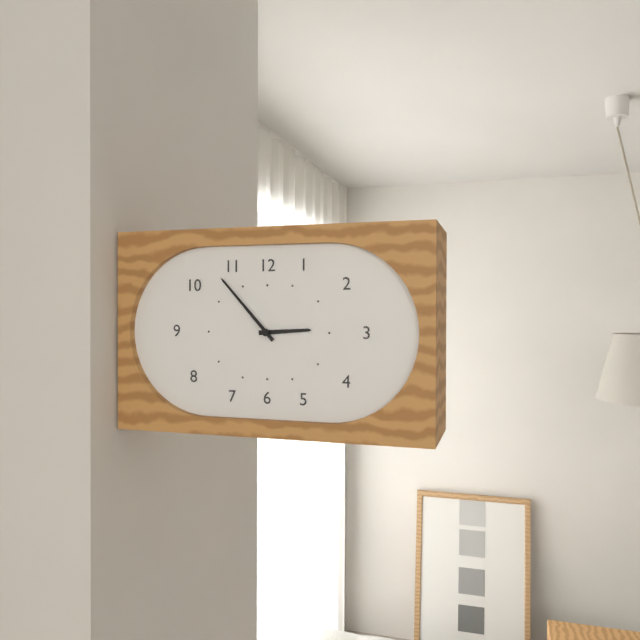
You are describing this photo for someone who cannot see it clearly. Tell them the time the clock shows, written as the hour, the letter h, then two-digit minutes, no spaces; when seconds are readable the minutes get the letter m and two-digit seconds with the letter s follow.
2h53
